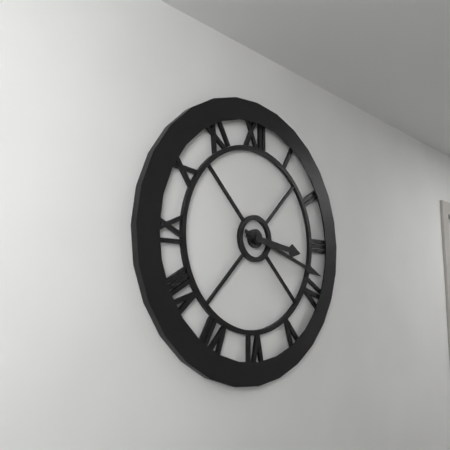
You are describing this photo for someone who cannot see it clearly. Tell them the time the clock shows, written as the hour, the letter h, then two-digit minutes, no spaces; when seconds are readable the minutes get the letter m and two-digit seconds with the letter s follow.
3h18
